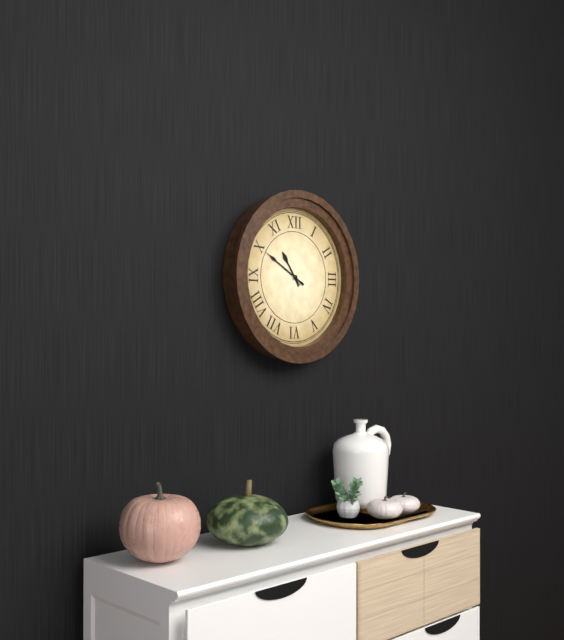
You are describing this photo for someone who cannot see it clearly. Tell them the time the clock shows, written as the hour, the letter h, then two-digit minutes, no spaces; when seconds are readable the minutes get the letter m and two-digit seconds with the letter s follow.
10h50
